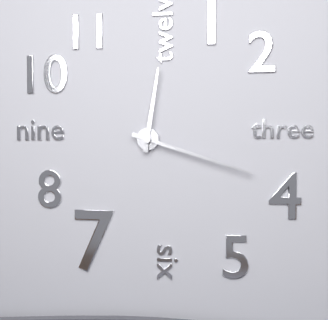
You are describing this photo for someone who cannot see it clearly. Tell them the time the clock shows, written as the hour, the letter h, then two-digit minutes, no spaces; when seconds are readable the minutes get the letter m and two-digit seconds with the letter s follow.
12h18
